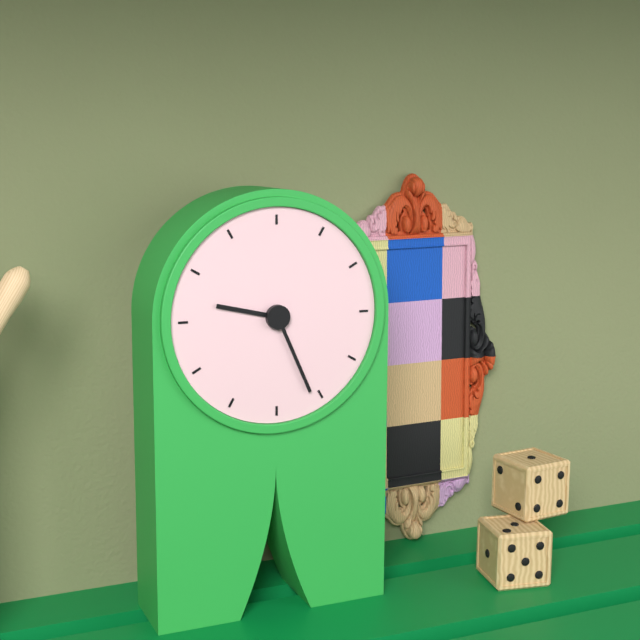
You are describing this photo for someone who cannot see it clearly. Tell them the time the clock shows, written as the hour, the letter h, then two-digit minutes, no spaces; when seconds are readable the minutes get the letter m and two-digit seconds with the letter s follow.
9h26
